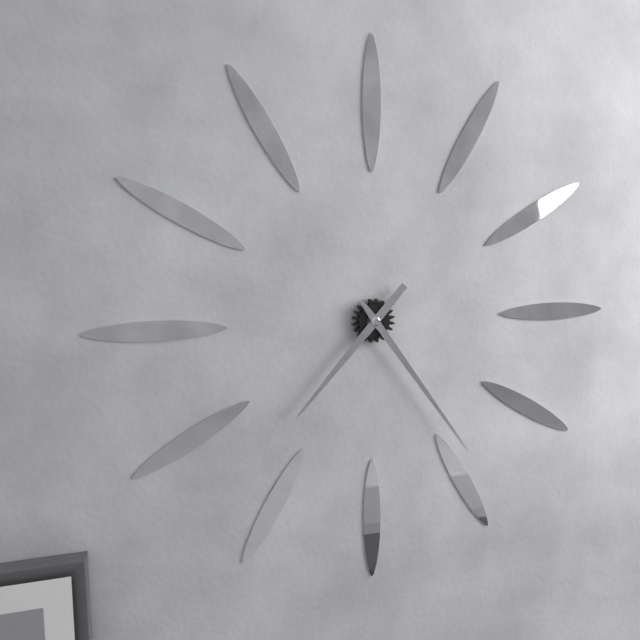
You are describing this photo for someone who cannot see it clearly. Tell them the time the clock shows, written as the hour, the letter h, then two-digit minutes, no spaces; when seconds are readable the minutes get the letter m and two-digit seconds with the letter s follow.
7h24
